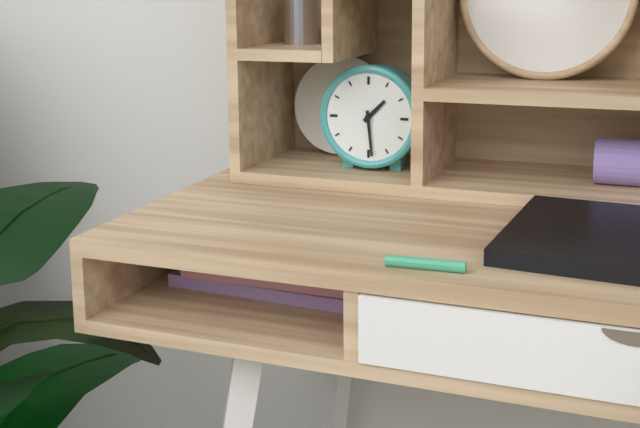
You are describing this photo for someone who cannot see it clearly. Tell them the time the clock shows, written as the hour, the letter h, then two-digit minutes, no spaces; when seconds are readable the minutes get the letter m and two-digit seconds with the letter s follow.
1h29
